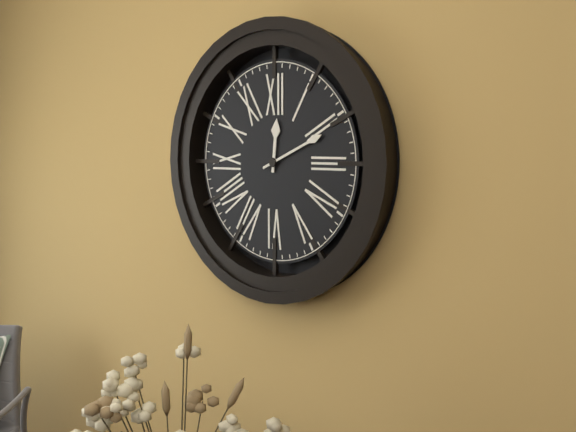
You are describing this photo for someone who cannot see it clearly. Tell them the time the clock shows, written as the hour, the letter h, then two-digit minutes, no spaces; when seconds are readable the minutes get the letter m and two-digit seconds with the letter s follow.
12h11
